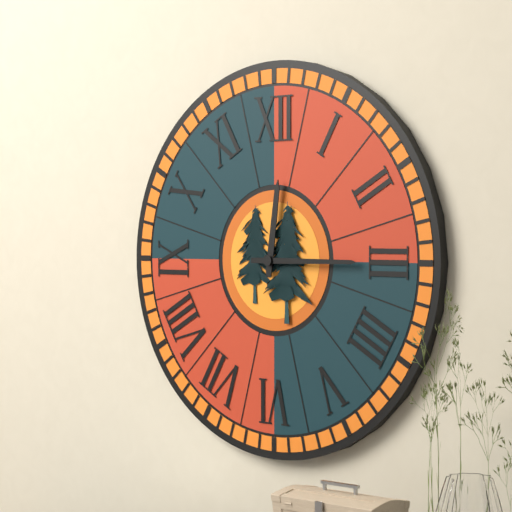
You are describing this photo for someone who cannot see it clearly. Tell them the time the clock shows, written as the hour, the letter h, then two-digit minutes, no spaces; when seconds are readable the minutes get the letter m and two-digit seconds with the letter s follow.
12h15
